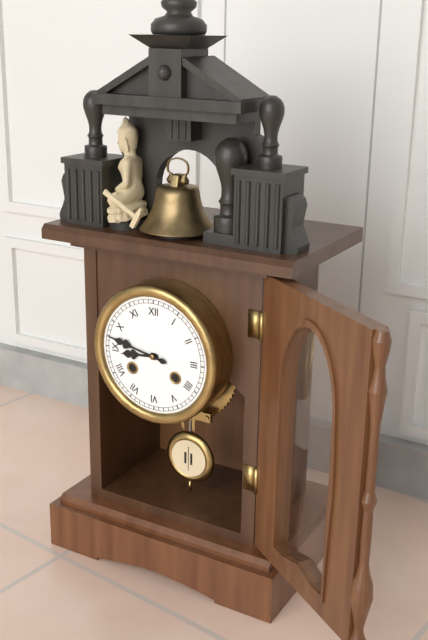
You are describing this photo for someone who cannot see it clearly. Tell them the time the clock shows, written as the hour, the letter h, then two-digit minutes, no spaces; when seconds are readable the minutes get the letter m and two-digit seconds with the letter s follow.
8h47
